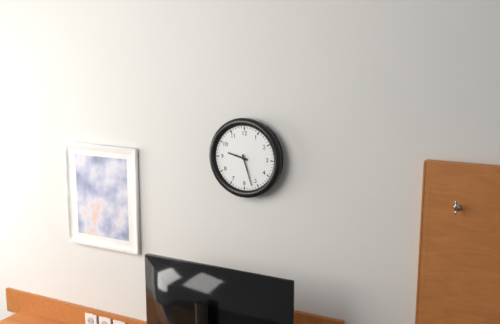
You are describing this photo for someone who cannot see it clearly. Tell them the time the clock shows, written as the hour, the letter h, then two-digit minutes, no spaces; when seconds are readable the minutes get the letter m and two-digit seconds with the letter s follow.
9h27
